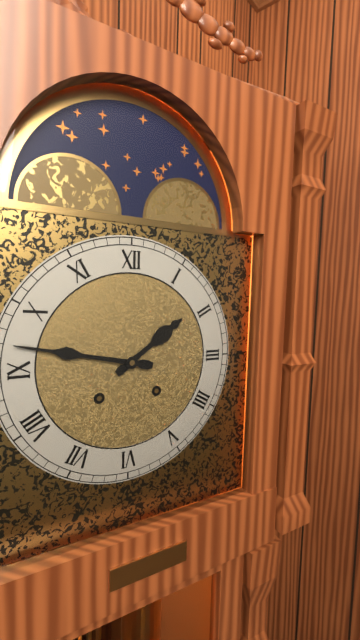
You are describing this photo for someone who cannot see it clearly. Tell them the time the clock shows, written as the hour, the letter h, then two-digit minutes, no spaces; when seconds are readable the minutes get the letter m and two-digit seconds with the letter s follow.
1h47
